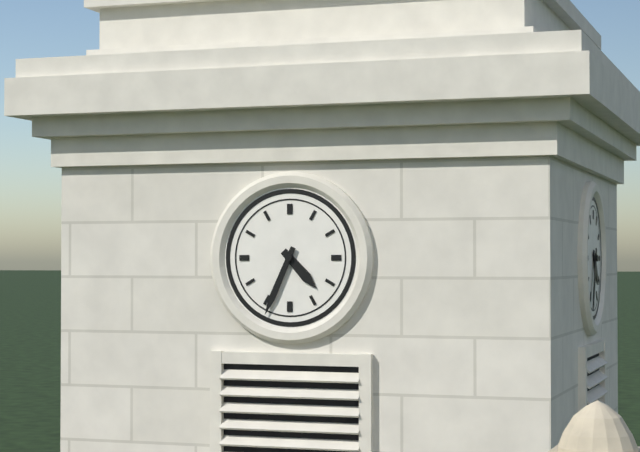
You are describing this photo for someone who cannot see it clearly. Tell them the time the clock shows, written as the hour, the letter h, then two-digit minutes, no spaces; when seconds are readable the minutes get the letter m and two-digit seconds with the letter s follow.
4h34
